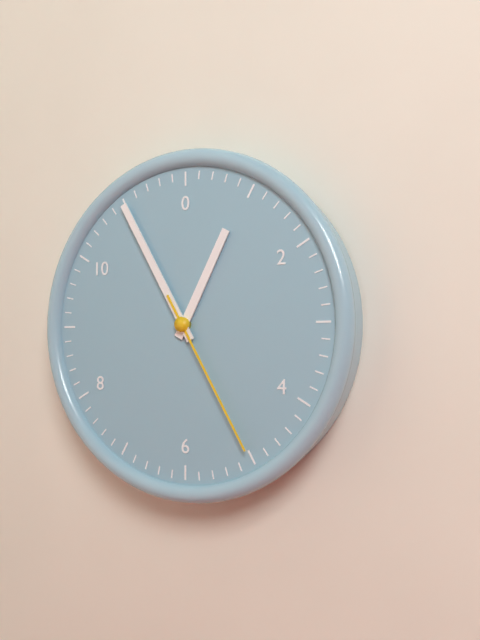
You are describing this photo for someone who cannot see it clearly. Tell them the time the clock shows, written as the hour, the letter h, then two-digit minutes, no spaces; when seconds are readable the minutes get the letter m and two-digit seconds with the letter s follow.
12h55m25s
